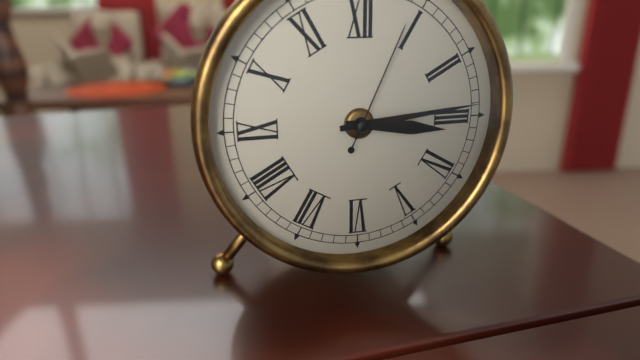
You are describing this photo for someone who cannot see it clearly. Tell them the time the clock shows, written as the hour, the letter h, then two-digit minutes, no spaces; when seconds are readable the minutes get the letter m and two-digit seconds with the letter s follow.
3h14m04s
